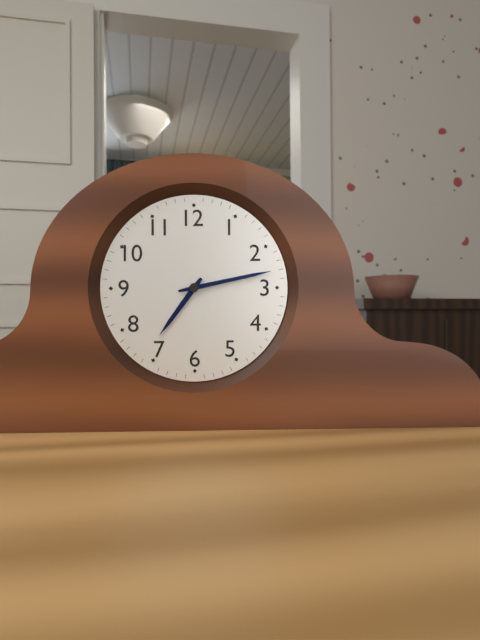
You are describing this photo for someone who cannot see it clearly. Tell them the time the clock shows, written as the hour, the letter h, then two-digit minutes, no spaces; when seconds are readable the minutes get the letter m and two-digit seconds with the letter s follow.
7h13
